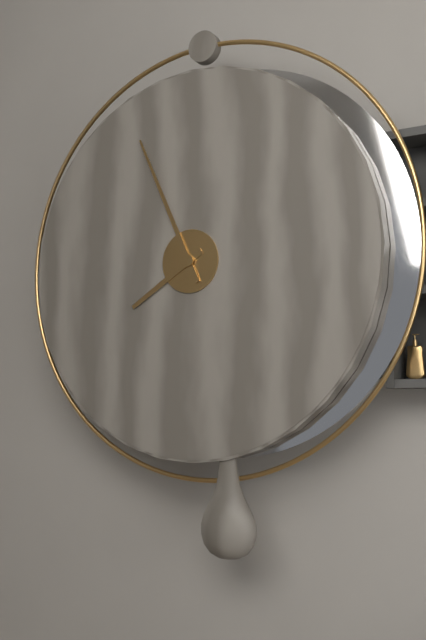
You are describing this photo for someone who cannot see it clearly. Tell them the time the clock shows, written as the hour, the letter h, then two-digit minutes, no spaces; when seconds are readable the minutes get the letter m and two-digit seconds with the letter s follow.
7h56
